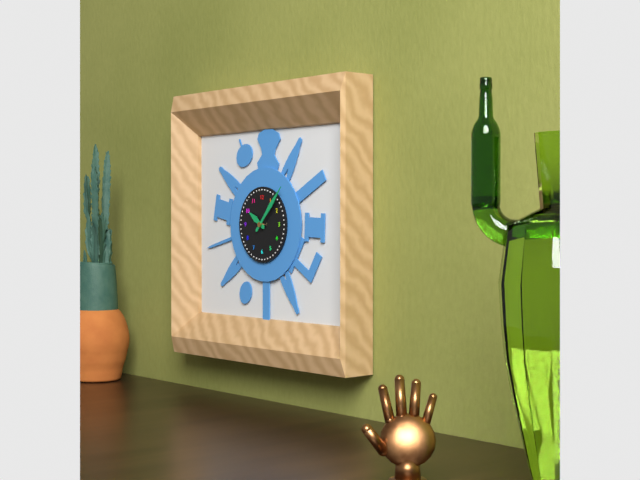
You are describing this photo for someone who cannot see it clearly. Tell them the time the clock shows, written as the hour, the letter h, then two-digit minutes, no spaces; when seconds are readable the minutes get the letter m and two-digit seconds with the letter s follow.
10h07
